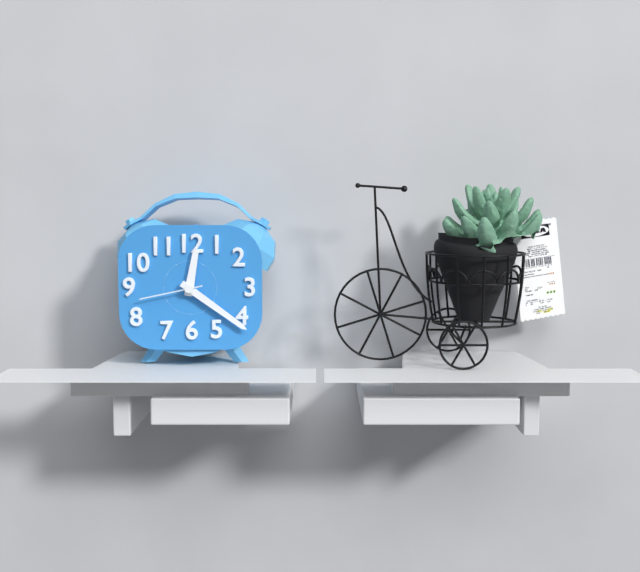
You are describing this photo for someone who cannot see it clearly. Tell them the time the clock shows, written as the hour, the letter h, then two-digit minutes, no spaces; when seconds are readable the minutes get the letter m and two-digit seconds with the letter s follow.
12h21m43s
